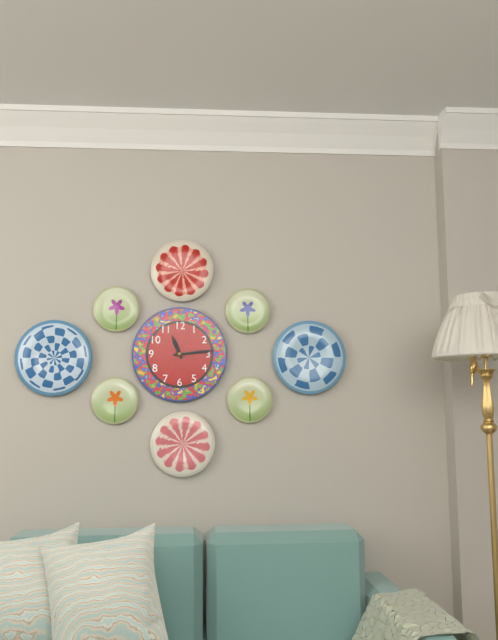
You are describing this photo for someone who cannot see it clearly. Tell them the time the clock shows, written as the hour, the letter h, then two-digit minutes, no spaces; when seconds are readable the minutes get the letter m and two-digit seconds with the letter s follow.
11h14
